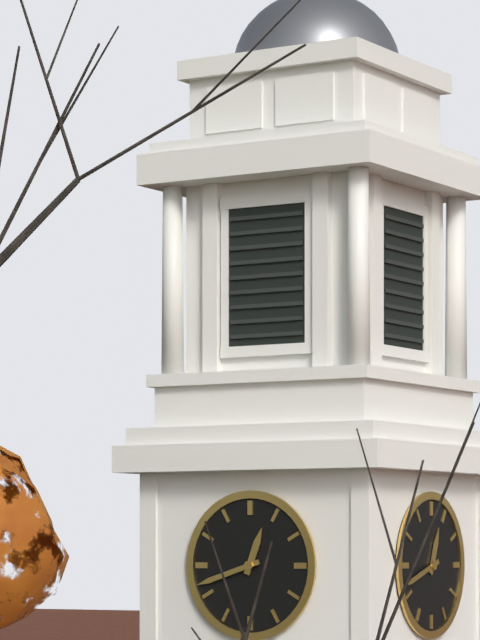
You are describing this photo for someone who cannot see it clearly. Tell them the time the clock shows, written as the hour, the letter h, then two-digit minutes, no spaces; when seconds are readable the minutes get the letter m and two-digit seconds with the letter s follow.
12h42
